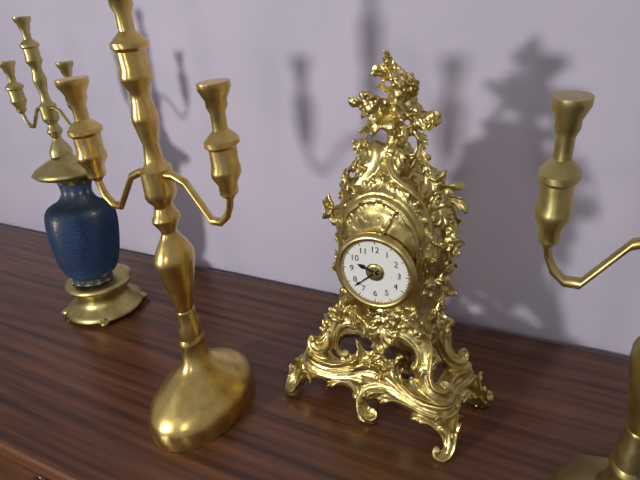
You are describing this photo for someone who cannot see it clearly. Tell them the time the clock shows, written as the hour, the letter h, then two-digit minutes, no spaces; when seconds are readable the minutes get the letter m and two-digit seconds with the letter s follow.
9h38
